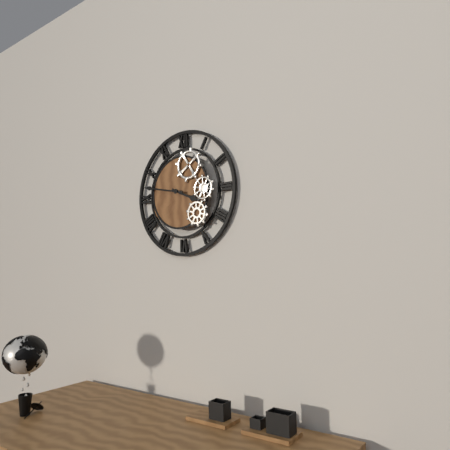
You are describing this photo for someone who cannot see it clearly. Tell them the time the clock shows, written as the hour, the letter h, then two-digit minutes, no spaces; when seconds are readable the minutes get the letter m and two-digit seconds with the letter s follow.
3h47
